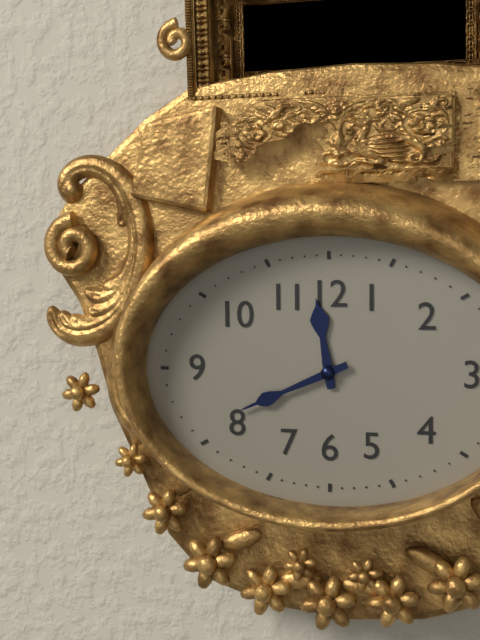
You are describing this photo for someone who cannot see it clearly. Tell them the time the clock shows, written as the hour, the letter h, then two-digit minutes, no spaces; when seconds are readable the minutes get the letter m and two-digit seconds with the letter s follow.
11h41
